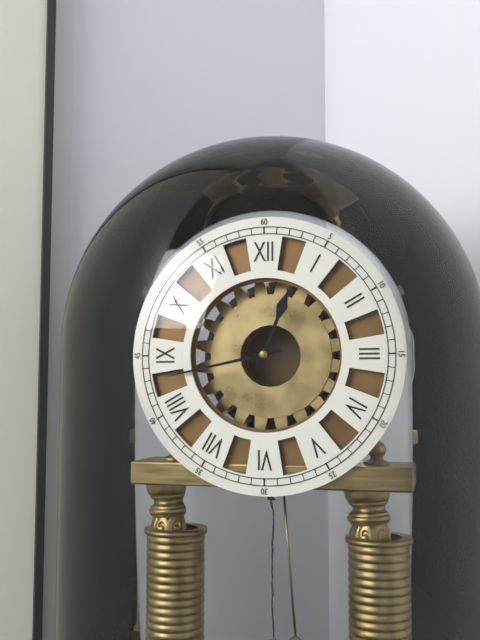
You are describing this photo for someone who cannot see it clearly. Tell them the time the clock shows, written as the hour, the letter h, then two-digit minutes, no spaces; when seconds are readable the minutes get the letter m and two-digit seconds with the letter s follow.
12h43
